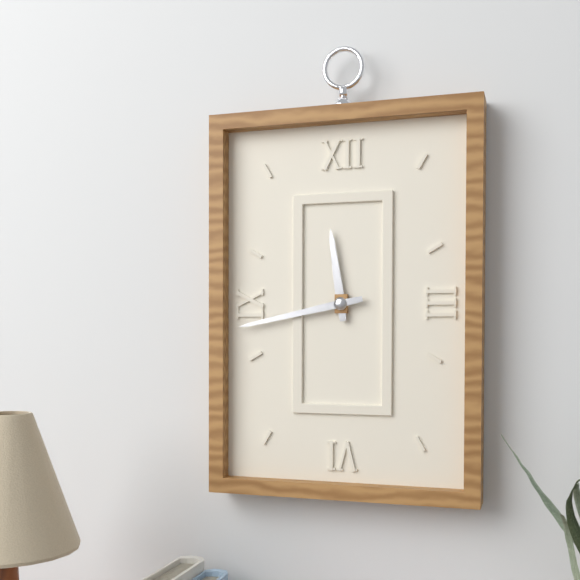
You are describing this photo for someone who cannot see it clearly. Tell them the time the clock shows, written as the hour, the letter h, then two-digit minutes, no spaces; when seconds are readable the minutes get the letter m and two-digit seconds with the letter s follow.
11h43
